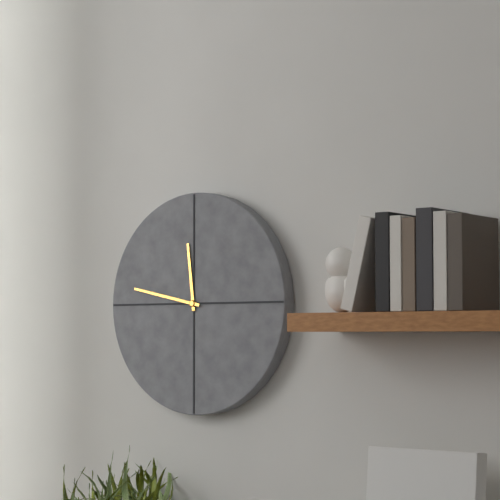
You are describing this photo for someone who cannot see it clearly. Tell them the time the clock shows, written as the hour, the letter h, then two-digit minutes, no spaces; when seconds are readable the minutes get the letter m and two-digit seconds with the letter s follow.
11h47
